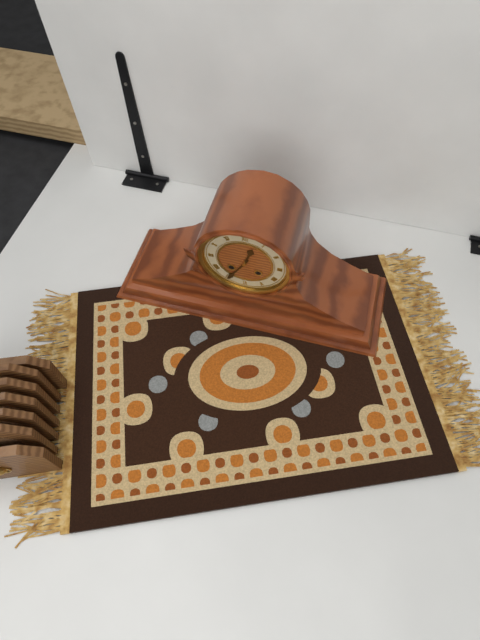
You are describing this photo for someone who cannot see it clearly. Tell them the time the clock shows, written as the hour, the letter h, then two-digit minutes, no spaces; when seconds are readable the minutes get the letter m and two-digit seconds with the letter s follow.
12h35
